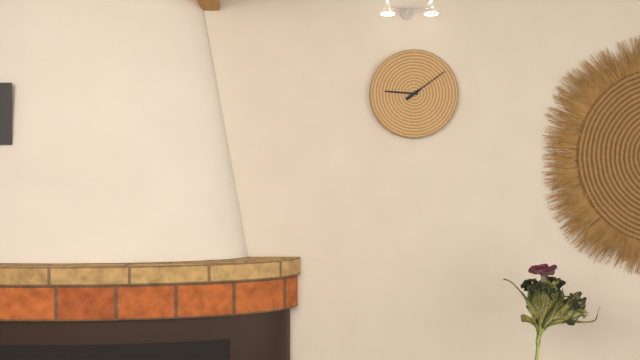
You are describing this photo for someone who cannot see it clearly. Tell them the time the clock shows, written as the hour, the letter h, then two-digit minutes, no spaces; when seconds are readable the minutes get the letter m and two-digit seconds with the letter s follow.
9h09
